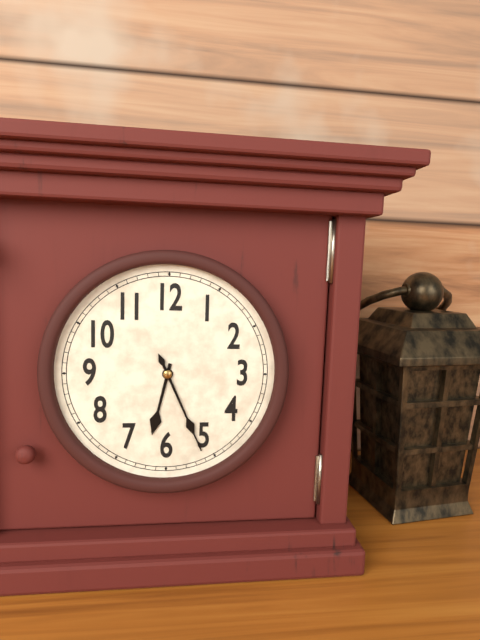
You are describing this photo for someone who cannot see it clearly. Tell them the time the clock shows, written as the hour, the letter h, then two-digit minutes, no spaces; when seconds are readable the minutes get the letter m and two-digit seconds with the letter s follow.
6h26
